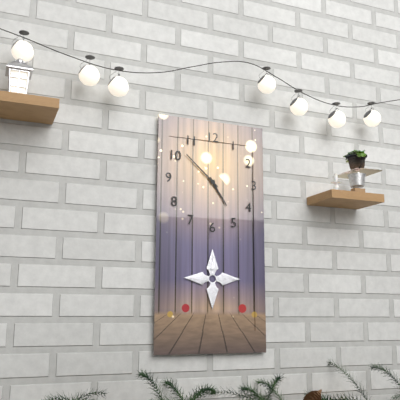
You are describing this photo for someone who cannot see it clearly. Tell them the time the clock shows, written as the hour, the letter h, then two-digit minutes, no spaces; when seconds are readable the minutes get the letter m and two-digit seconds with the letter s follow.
4h52
